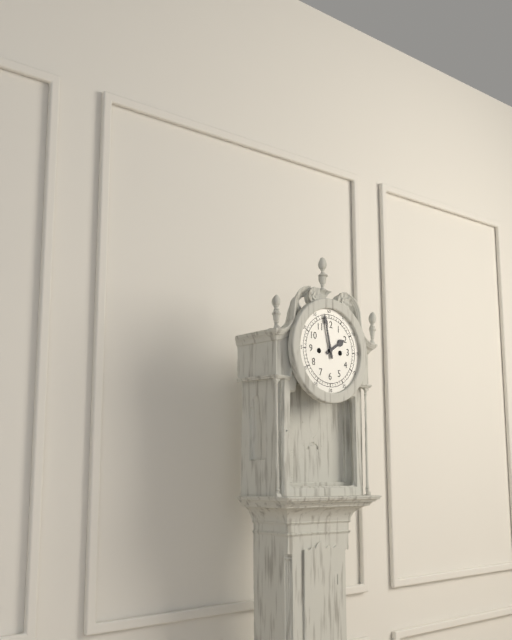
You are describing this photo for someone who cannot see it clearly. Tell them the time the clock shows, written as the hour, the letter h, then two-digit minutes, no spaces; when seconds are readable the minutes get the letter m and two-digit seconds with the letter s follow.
1h58
